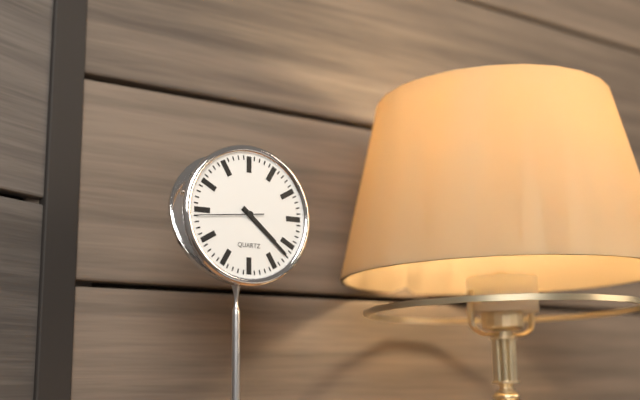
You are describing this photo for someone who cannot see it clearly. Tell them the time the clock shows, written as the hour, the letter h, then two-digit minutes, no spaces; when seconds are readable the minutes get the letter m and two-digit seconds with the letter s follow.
4h22m44s
